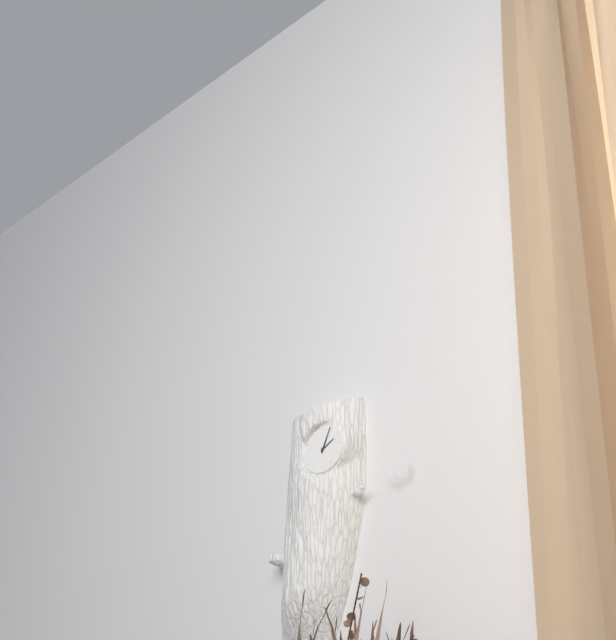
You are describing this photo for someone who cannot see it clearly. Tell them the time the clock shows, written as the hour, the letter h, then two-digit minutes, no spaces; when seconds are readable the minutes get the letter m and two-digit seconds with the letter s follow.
2h04
